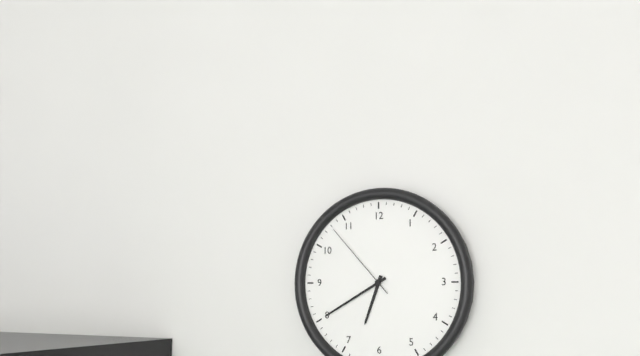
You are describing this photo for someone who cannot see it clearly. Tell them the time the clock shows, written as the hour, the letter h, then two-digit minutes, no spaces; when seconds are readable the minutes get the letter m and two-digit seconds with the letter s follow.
6h40m53s
